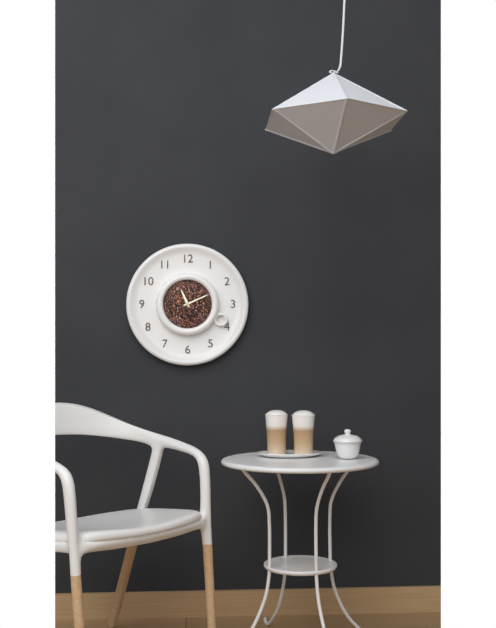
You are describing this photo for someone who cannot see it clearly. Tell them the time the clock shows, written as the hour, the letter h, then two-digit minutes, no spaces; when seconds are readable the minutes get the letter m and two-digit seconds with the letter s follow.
11h11
